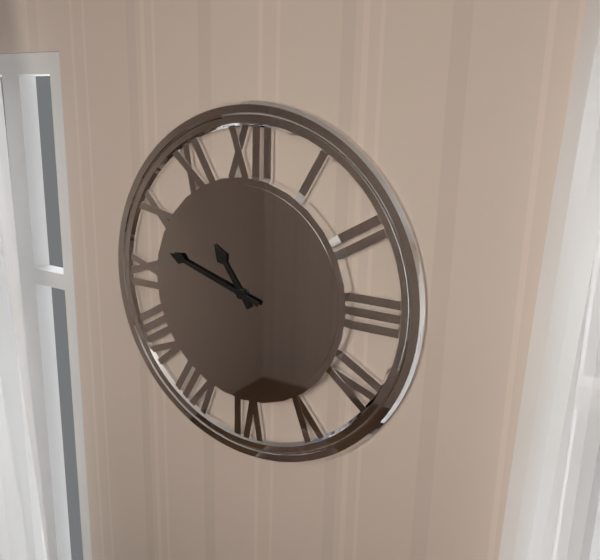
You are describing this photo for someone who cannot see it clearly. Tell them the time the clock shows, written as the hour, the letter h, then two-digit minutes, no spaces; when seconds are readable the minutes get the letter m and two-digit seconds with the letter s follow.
10h48
